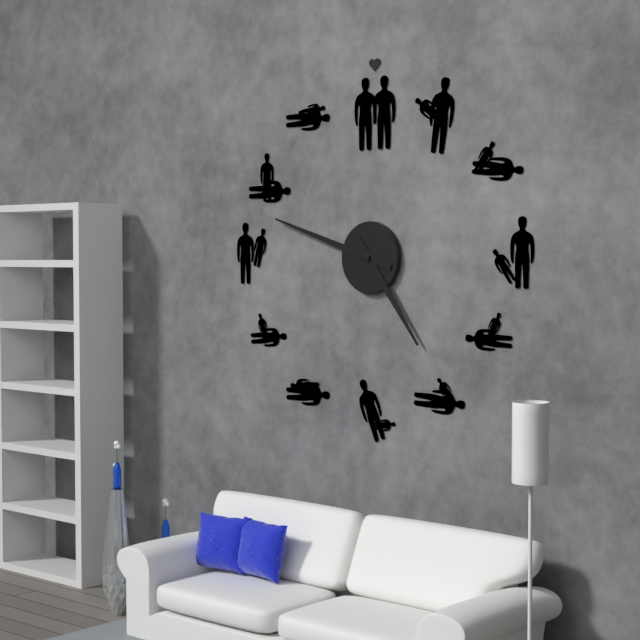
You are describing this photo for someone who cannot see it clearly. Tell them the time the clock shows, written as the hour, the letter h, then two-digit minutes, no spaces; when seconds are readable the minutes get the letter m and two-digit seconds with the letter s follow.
4h48
